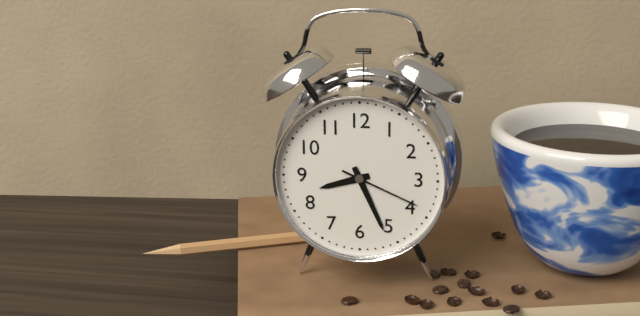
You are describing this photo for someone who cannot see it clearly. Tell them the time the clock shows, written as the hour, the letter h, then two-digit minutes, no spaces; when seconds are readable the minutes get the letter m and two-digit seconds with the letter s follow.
8h26m19s
